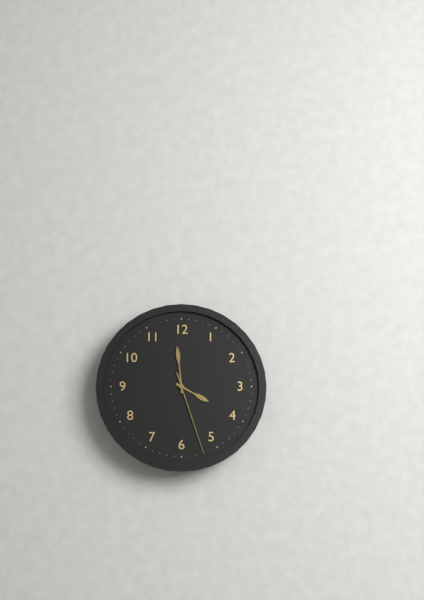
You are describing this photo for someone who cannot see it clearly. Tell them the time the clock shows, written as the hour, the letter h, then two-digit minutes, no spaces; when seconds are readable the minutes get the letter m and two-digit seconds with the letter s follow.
3h59m27s
